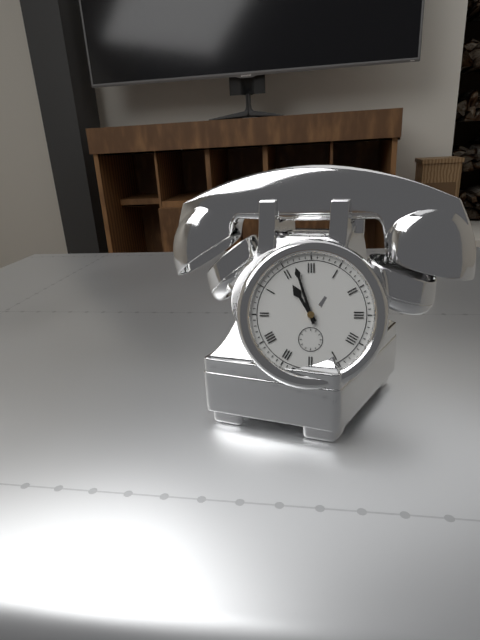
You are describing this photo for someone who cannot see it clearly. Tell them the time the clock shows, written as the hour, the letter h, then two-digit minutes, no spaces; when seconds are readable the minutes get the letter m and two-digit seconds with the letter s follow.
10h57
